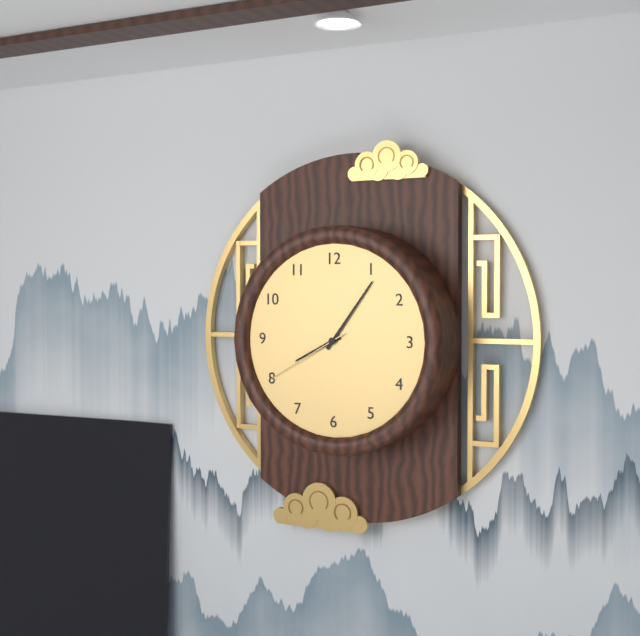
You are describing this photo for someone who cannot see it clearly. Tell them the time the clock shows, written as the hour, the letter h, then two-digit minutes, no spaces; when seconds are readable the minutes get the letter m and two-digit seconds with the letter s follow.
8h06m40s
